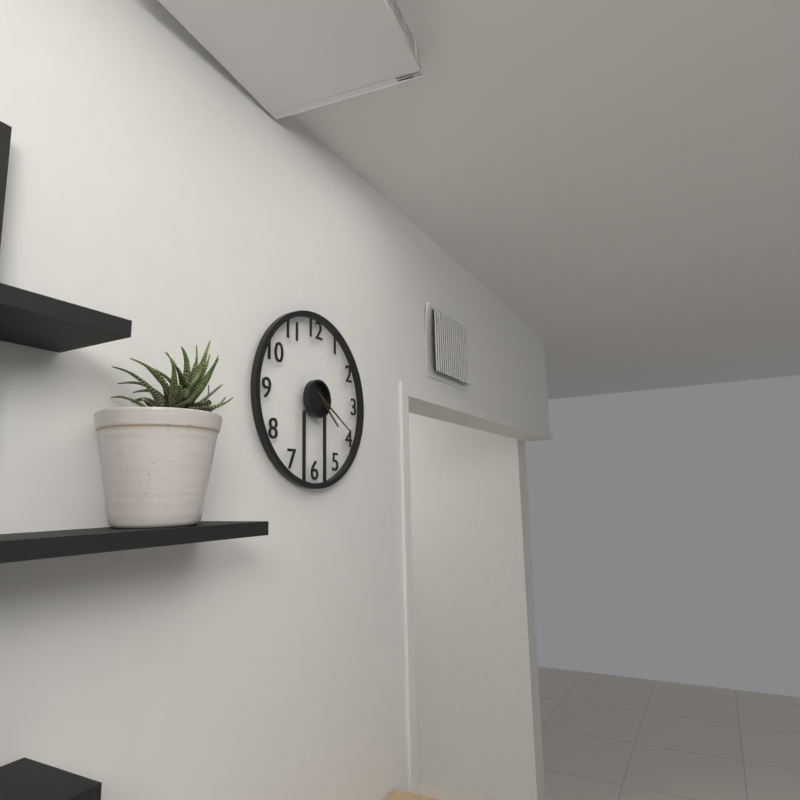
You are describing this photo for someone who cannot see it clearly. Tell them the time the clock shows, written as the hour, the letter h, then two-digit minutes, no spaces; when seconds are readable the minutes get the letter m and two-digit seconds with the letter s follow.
4h20
